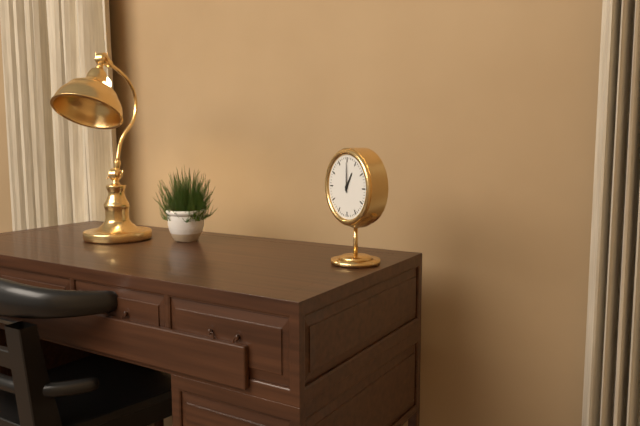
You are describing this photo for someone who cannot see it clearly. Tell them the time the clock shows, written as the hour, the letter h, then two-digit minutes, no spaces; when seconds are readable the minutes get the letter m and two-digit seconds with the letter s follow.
1h00
